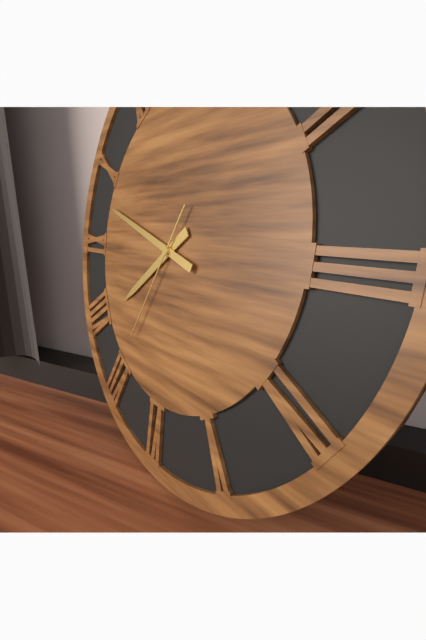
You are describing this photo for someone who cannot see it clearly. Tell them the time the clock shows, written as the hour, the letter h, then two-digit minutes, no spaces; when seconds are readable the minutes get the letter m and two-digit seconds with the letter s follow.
7h48m35s
